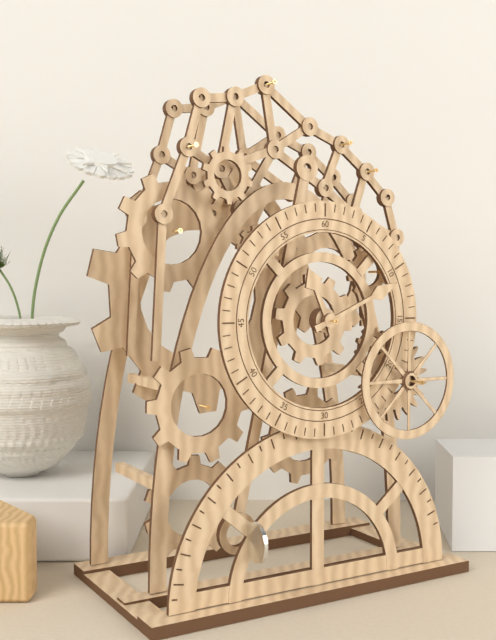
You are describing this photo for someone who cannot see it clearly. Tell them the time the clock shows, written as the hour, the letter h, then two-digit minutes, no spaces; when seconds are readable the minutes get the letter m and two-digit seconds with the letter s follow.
11h11
